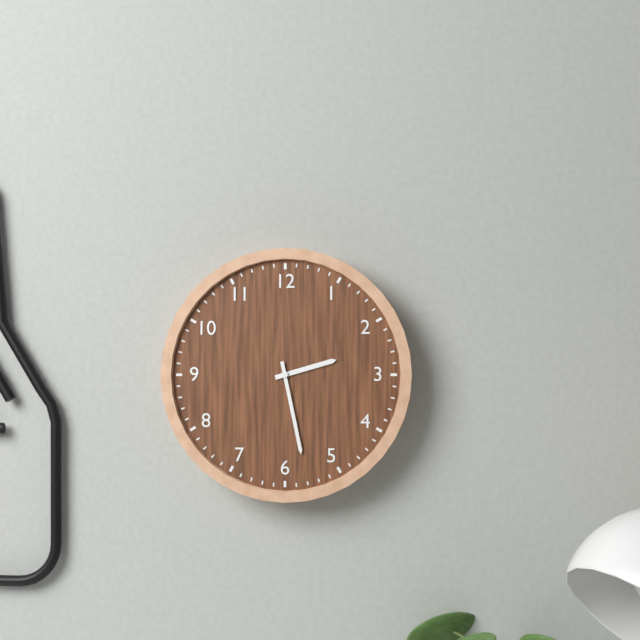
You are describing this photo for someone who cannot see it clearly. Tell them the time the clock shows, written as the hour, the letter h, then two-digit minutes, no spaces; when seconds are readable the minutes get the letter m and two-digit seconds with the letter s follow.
2h28
